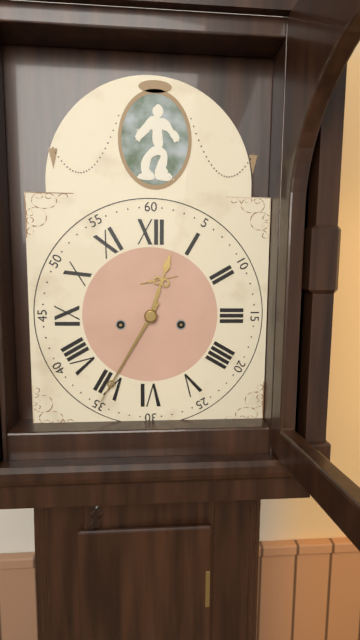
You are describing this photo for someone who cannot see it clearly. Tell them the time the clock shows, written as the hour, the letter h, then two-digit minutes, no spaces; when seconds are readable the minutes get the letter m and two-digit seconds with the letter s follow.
12h35
